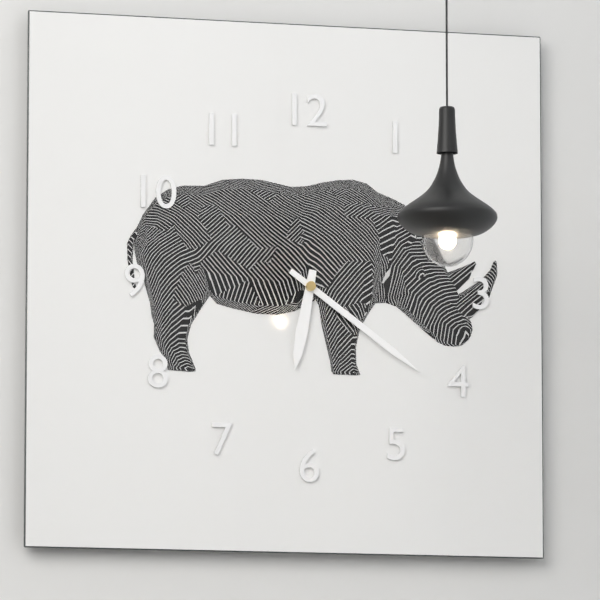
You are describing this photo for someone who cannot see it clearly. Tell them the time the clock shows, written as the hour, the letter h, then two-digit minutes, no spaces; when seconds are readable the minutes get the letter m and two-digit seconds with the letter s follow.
6h21
